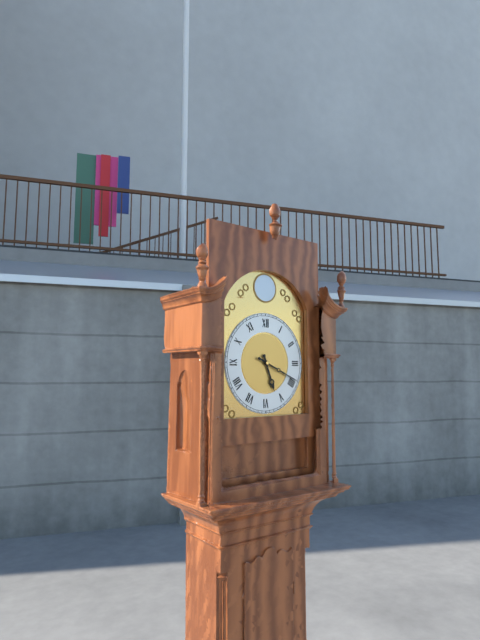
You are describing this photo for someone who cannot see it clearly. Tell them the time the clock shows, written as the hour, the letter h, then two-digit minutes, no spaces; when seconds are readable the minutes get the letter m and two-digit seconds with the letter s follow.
5h19
